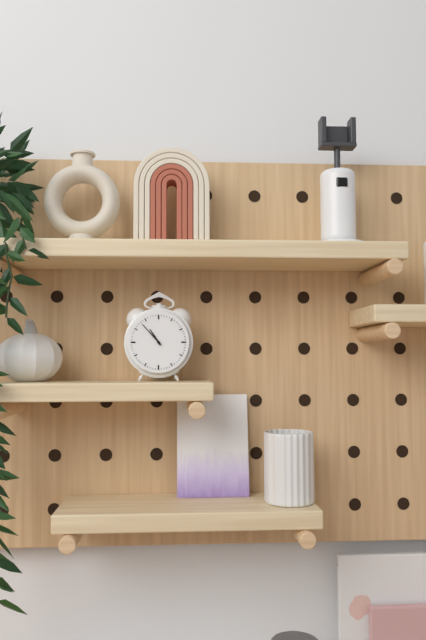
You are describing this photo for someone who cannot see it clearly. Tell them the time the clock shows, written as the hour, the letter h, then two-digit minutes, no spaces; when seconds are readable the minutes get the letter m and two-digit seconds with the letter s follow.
10h53
